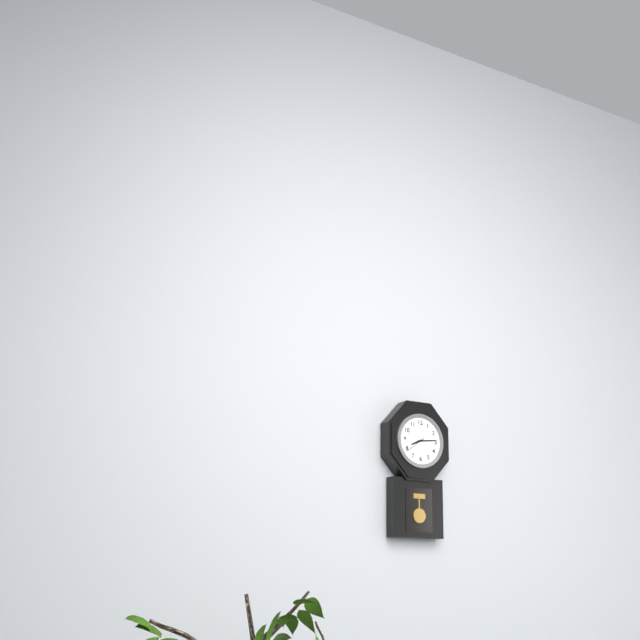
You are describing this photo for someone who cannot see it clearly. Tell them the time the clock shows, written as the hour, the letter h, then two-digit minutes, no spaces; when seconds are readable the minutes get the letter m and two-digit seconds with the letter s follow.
8h14
